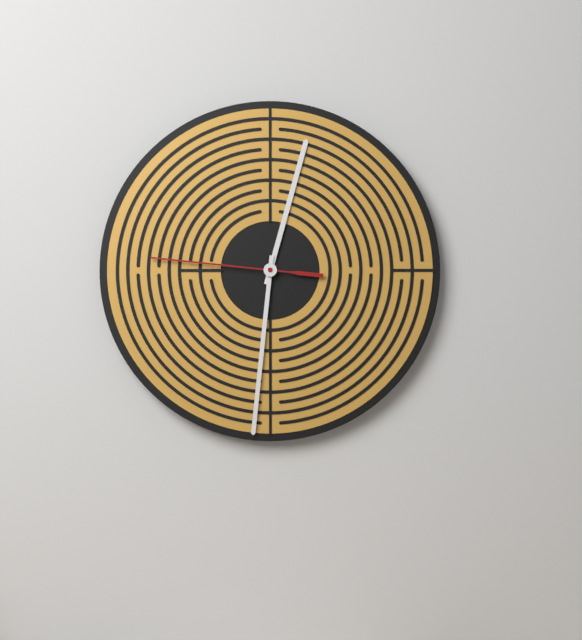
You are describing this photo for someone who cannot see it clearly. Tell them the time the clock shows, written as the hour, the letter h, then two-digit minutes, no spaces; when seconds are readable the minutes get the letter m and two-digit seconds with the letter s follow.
12h31m46s
